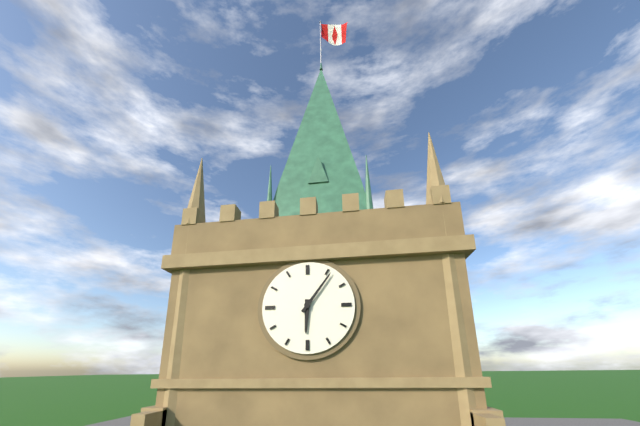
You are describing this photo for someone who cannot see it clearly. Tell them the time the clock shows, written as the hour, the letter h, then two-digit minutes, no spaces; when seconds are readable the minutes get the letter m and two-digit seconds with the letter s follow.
6h06
